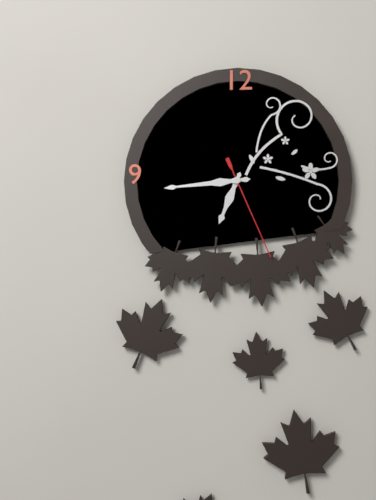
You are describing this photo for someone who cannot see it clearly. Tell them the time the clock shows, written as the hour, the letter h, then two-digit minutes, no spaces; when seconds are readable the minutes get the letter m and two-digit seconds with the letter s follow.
6h44m26s
